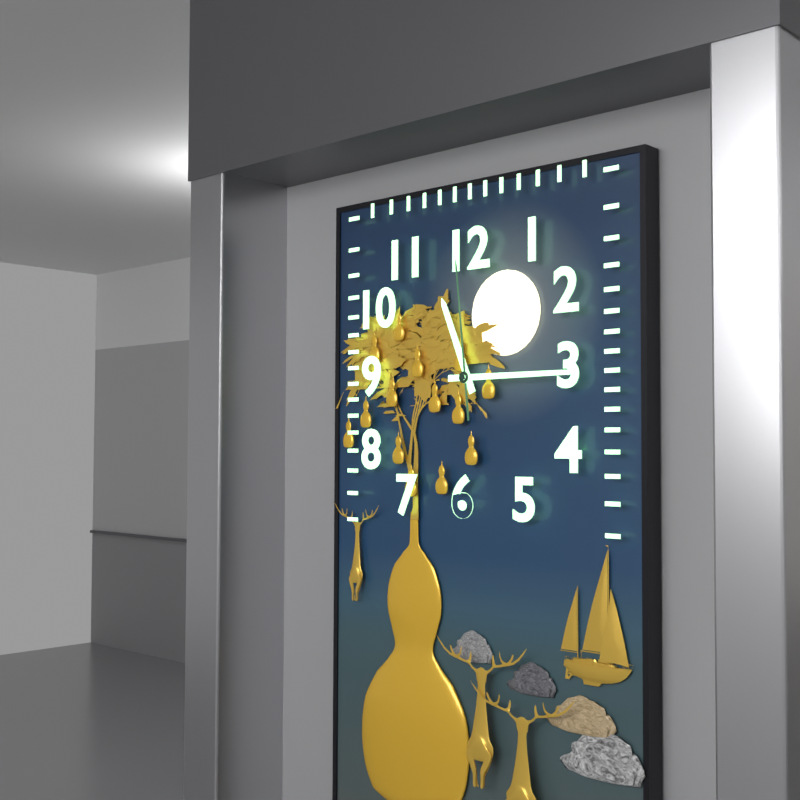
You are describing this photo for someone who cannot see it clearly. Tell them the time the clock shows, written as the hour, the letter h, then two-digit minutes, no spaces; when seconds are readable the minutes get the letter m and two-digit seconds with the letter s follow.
11h15m59s
